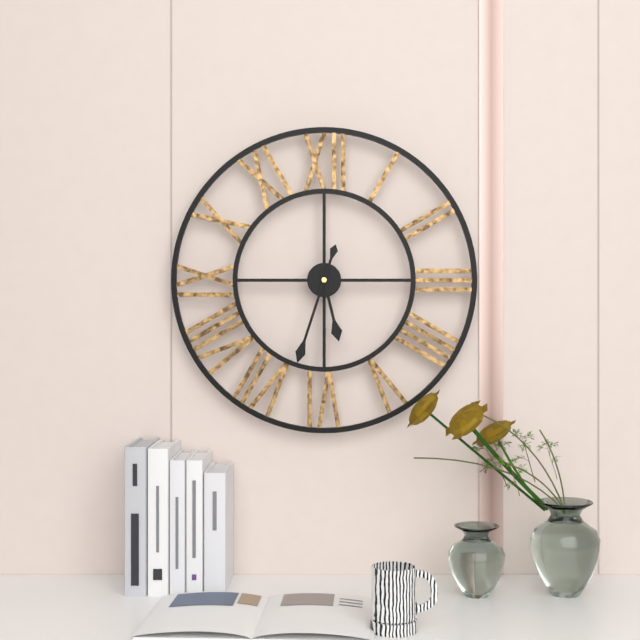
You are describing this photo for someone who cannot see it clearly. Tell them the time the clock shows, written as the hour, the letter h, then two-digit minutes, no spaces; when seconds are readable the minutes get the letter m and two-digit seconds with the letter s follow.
5h33
